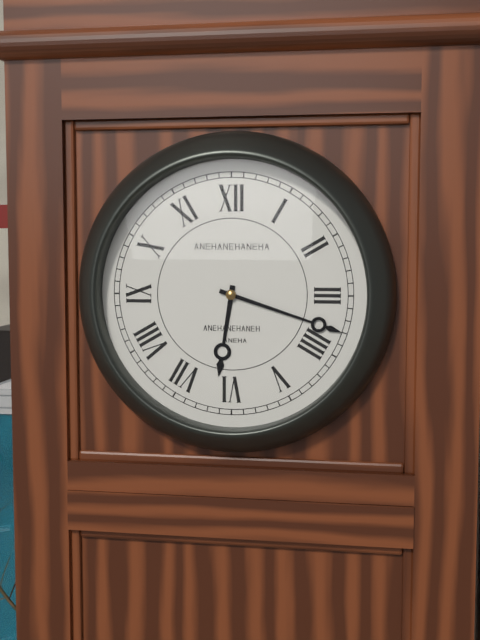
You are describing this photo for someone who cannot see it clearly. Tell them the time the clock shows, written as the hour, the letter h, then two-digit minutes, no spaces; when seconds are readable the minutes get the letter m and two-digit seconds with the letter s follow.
6h18
